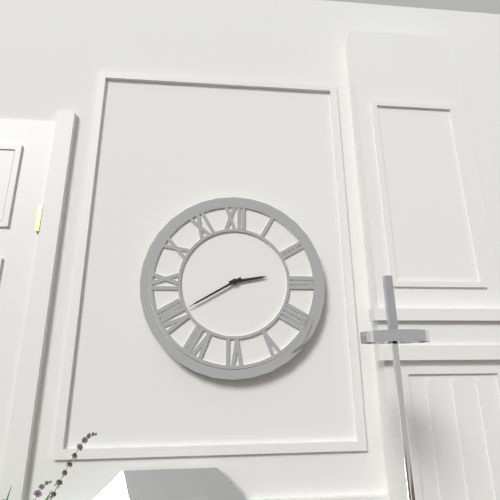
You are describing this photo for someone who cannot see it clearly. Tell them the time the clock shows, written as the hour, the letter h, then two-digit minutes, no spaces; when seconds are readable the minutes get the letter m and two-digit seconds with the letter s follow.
2h40
